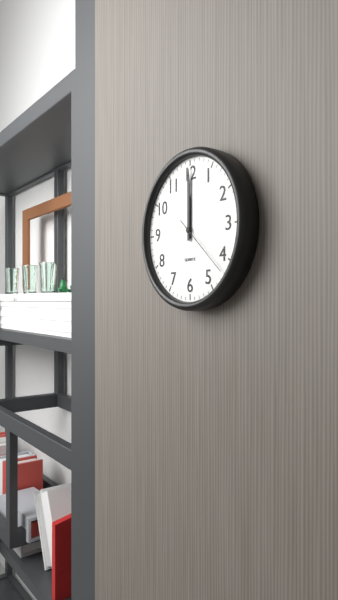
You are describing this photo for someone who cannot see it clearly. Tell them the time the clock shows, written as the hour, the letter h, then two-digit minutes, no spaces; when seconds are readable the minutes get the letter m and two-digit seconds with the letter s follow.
12h00m22s
